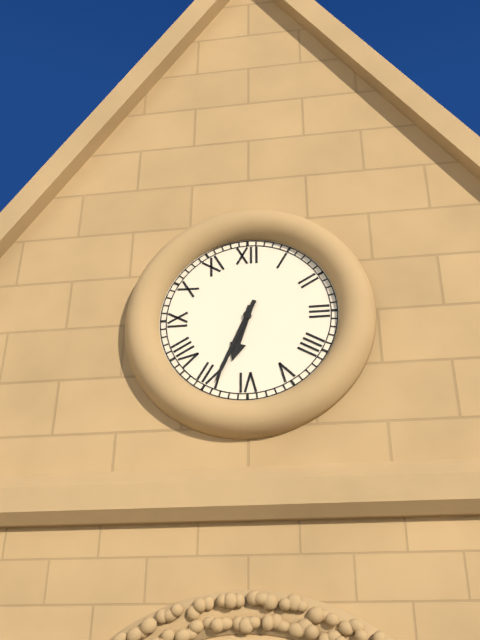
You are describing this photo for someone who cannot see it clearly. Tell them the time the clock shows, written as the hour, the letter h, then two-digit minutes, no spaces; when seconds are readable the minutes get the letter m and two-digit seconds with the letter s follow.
6h34
